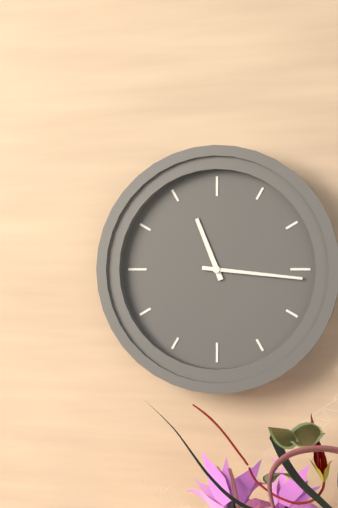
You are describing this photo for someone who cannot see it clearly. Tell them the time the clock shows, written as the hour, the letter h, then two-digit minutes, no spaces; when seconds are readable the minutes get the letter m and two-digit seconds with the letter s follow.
11h16
